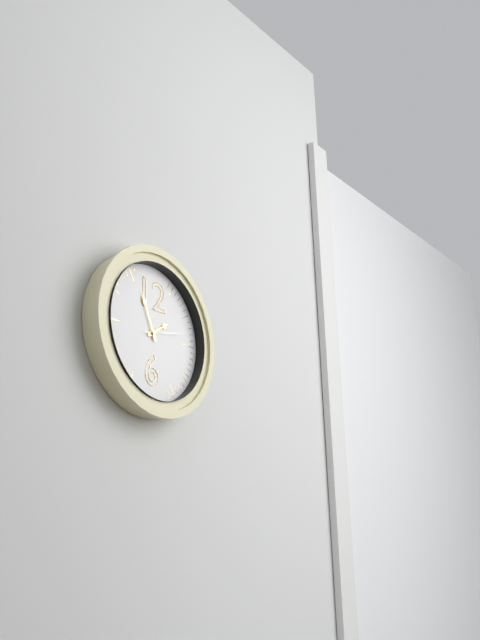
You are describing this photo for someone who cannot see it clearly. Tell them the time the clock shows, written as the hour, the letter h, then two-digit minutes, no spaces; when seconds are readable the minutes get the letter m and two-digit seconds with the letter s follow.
1h56
